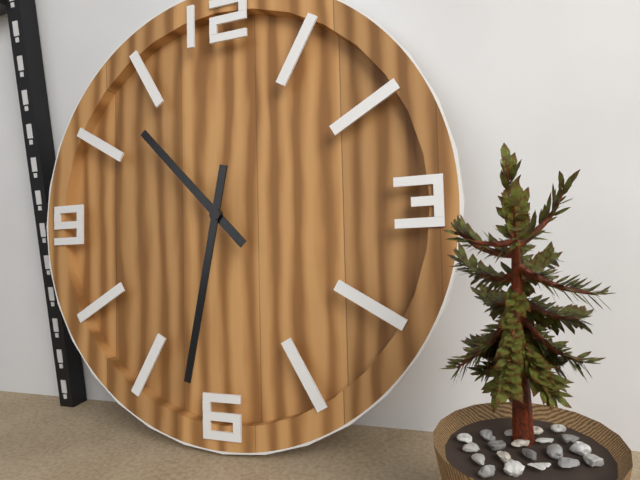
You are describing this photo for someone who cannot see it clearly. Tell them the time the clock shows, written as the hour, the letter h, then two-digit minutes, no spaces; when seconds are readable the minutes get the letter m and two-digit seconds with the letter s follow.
10h32
